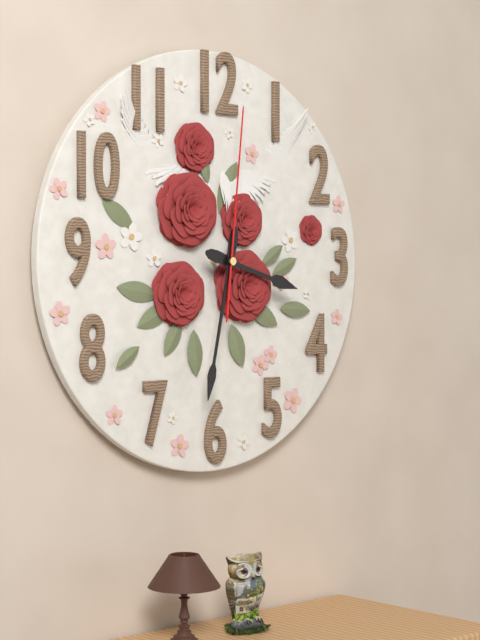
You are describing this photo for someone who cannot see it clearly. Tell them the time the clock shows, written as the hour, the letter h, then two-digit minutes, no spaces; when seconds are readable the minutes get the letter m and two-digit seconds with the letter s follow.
3h32m01s
